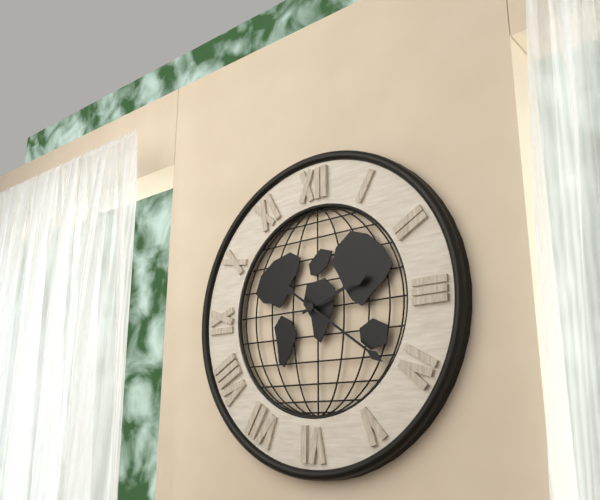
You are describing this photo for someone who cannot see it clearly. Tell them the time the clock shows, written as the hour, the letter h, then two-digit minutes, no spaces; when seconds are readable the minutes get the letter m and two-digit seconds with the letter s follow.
2h21
